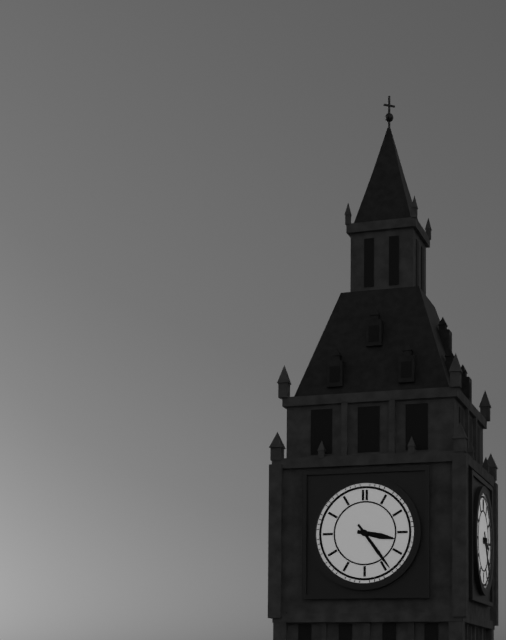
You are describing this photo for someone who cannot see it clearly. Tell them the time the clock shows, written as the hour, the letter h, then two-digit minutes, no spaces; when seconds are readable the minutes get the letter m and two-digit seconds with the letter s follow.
3h24
